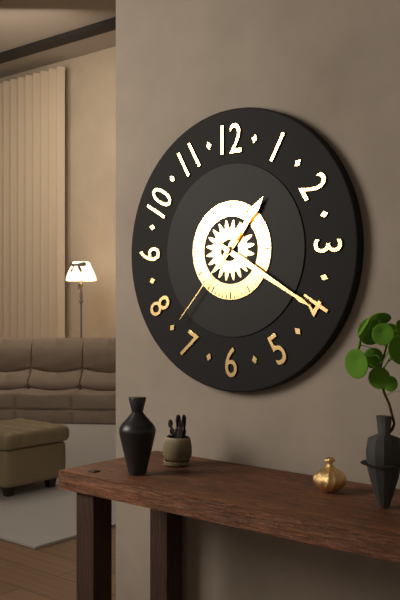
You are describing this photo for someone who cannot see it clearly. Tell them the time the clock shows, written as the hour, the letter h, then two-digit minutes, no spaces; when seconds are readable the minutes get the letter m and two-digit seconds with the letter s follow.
1h20m37s
